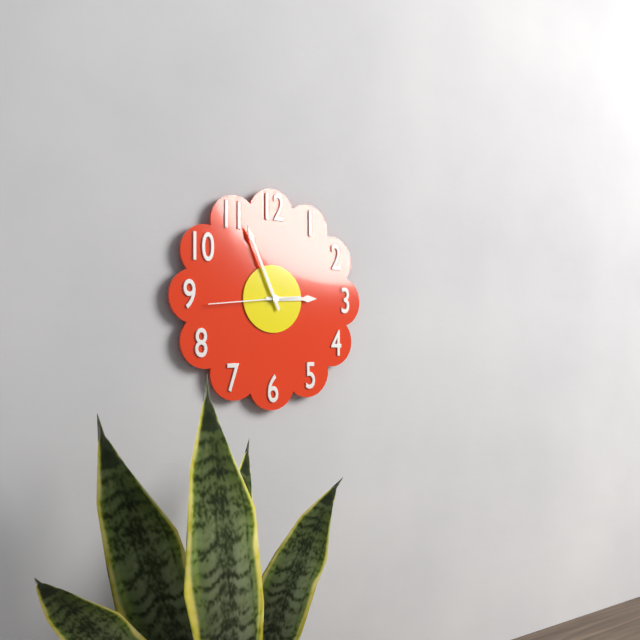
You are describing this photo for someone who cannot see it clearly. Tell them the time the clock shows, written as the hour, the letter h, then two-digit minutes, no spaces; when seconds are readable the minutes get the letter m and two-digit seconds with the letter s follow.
2h56m44s
